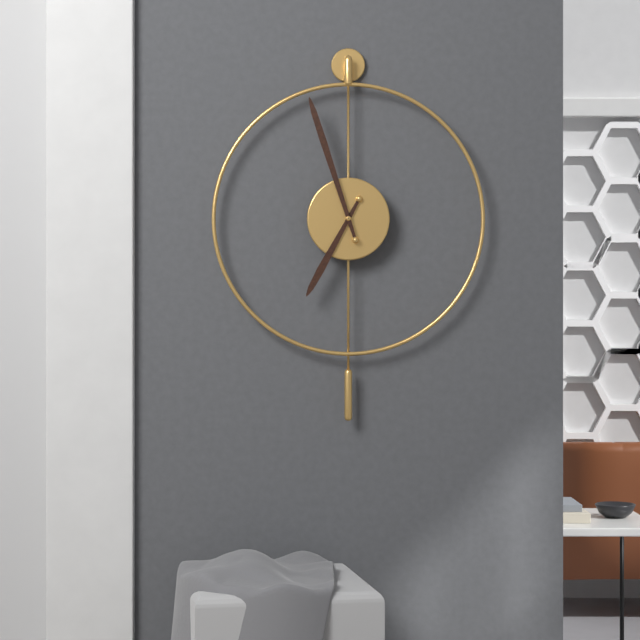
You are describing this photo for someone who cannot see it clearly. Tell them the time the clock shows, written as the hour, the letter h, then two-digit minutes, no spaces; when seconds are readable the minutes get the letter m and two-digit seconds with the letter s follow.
6h57
